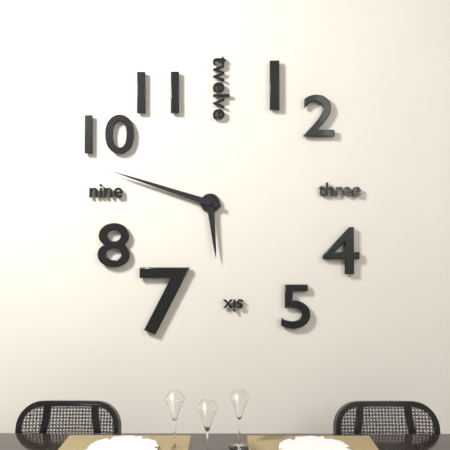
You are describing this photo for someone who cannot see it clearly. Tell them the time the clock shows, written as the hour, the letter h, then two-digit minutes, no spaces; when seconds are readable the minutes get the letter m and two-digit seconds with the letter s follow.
5h48
